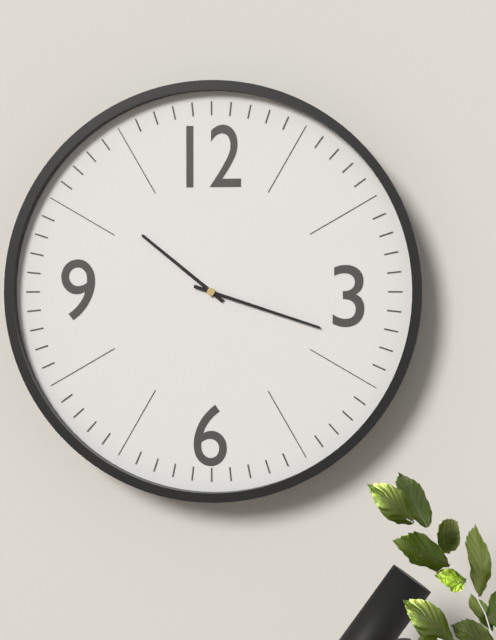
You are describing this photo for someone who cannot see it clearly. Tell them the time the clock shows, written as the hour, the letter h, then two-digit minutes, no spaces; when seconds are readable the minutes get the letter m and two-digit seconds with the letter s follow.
10h18
